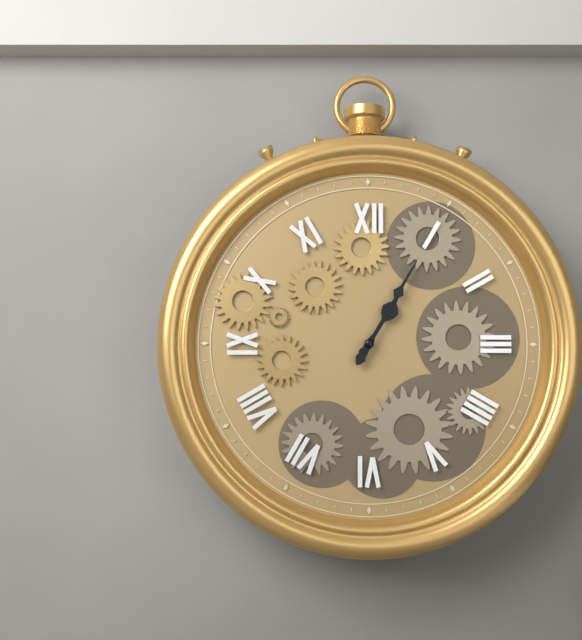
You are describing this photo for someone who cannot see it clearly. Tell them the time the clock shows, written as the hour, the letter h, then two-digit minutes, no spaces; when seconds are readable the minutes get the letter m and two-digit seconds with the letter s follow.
1h05
